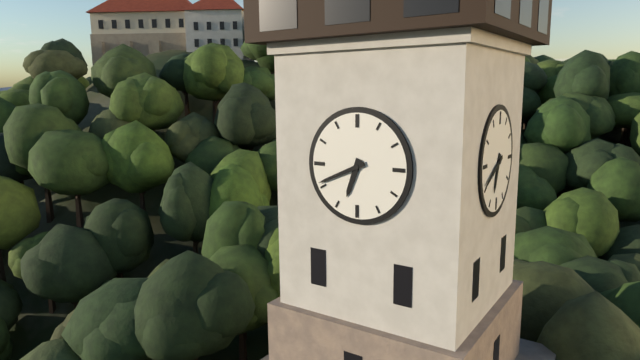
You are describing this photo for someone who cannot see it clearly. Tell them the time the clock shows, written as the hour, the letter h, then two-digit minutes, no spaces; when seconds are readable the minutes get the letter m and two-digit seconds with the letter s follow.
6h41
